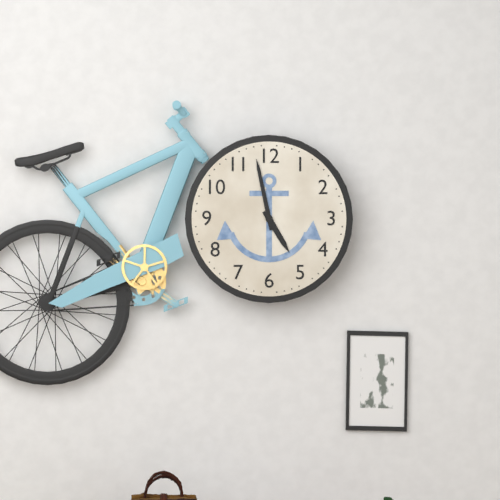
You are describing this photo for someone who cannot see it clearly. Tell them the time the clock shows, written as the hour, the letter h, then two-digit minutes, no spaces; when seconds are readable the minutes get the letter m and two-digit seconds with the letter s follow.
4h58
